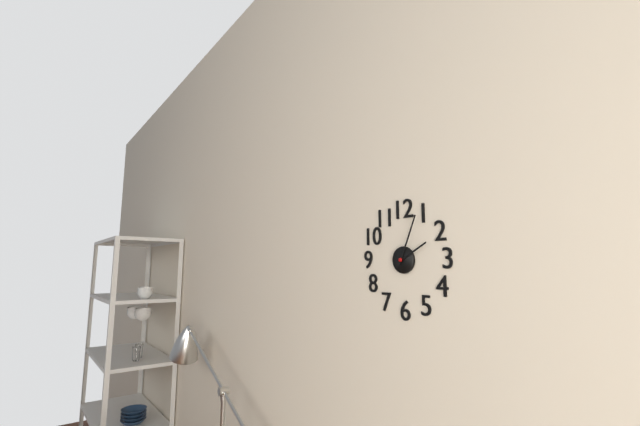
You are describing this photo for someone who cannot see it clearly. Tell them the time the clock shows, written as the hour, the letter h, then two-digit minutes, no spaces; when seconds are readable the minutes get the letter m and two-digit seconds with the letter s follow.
2h04
